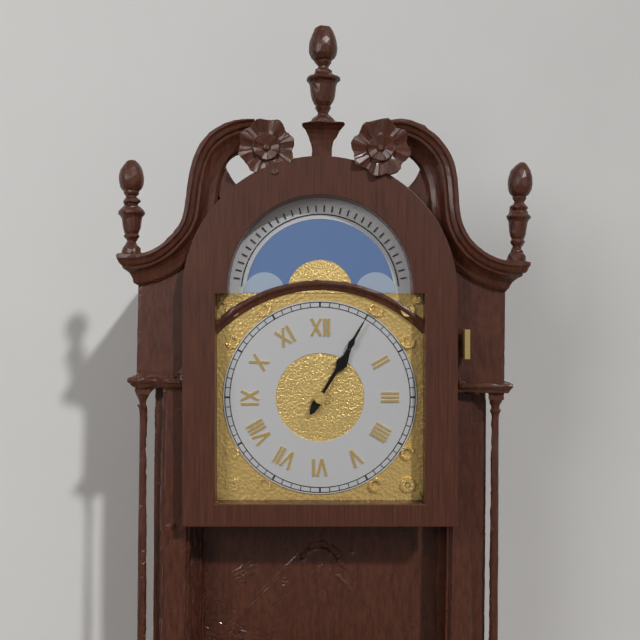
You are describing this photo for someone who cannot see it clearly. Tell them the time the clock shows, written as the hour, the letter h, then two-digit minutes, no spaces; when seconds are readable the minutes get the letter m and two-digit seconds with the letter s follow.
1h05
